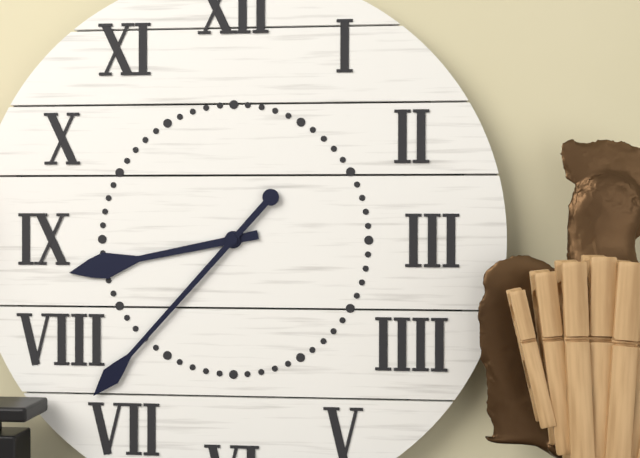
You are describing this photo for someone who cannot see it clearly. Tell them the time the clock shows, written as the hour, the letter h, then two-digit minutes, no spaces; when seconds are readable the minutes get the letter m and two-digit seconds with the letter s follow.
8h37
